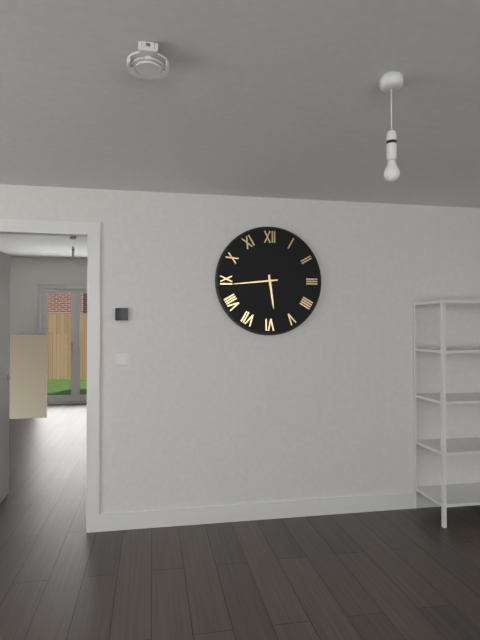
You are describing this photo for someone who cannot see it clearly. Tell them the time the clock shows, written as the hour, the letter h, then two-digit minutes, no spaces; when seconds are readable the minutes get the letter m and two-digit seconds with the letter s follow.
5h44
